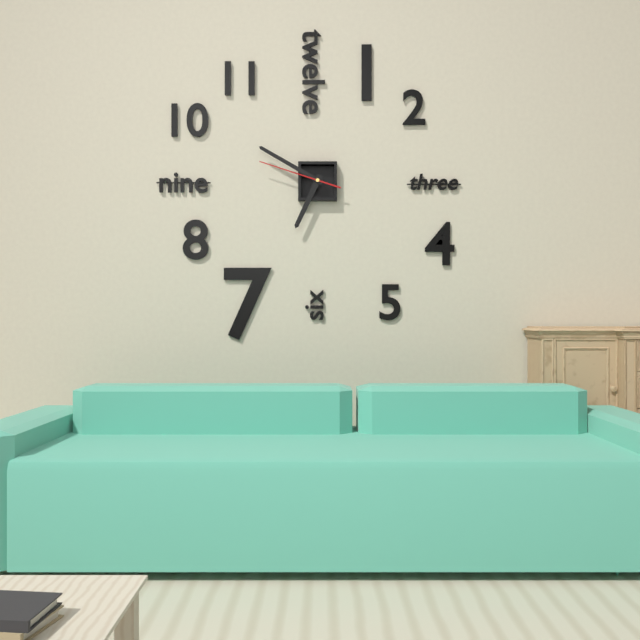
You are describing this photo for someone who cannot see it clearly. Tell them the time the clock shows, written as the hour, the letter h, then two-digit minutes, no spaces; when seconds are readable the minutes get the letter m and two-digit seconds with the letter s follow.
6h50m48s
